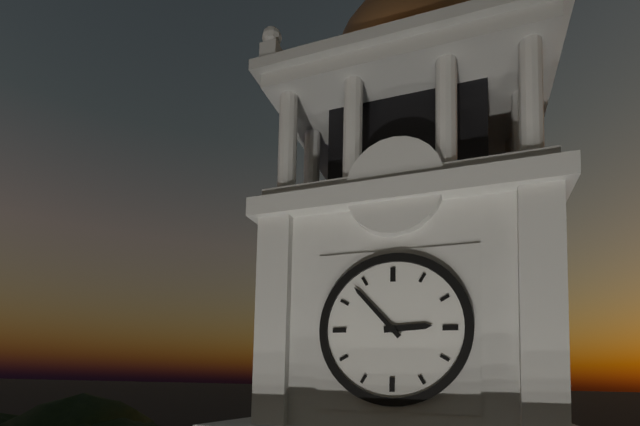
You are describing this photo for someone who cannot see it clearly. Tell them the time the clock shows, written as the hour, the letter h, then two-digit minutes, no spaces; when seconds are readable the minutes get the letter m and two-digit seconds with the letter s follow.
2h53
